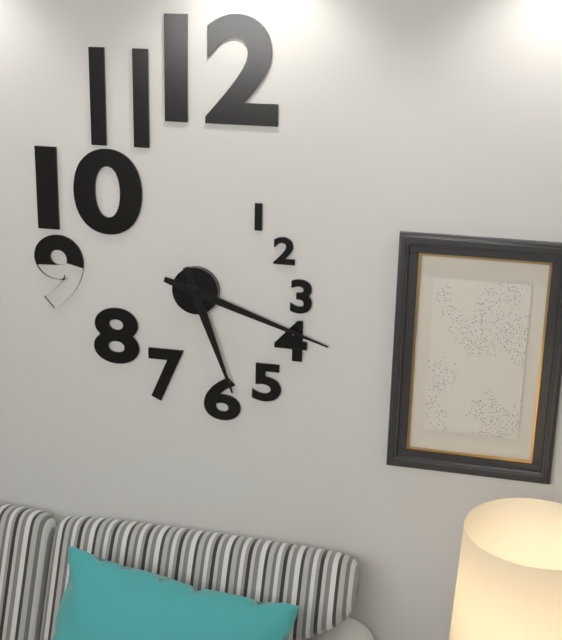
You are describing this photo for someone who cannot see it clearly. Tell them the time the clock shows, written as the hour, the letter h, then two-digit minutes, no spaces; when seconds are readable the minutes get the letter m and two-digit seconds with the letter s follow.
5h18
